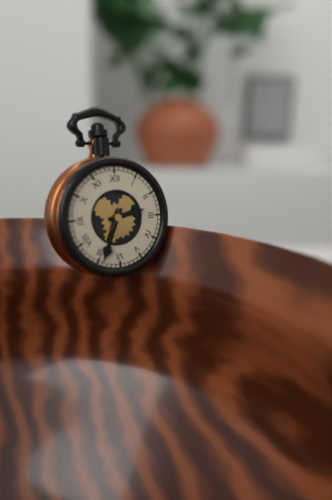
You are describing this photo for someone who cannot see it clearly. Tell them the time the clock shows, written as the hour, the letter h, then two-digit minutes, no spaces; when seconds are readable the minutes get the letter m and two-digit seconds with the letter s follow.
2h34
